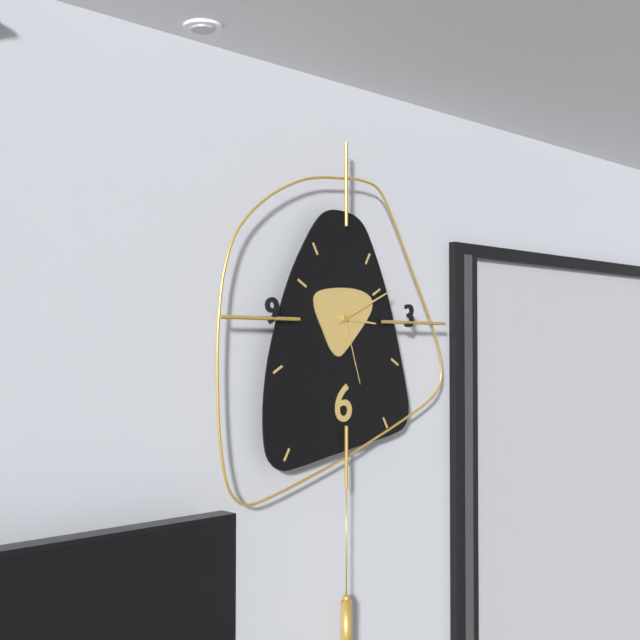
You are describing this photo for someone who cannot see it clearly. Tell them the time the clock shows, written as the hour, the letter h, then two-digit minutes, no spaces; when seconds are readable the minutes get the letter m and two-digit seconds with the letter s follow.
3h11m27s
